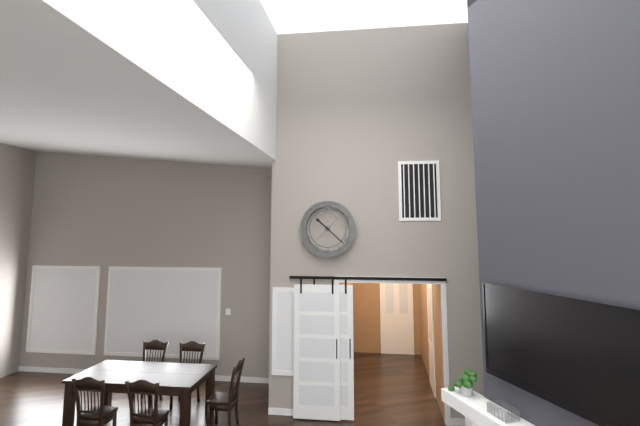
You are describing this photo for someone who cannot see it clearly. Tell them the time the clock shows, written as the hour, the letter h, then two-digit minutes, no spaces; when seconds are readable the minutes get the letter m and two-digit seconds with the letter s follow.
10h22
